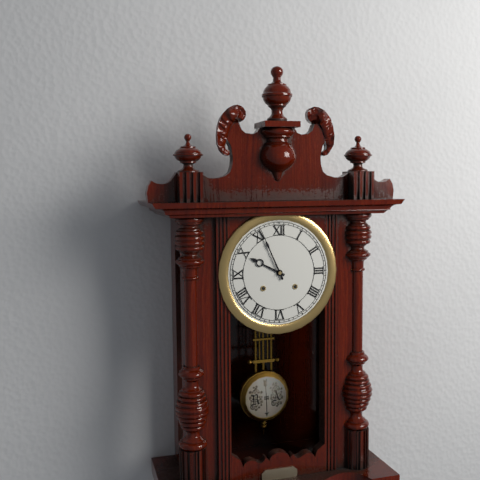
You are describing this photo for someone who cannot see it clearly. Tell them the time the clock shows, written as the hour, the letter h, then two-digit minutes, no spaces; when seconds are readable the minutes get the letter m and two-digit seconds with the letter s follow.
9h56
